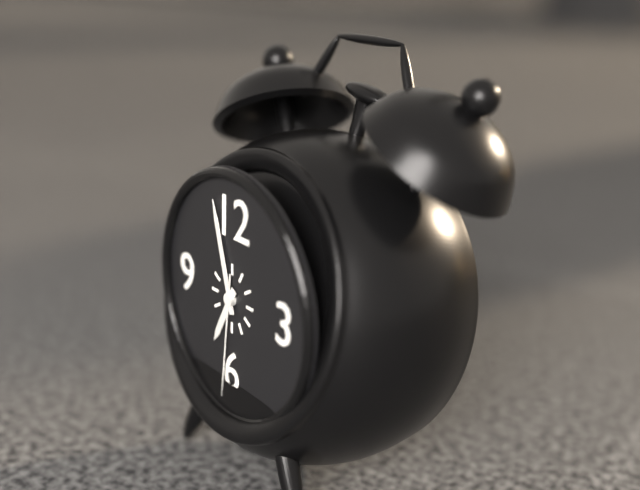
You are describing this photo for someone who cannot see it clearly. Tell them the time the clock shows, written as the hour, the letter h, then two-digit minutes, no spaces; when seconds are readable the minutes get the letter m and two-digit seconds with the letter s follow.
6h57m31s
